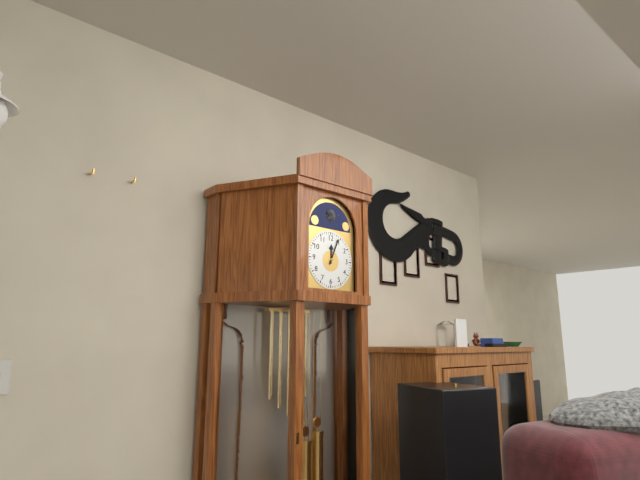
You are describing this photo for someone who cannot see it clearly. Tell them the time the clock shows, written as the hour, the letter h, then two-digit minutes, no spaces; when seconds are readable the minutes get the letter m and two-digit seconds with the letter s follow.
12h04
